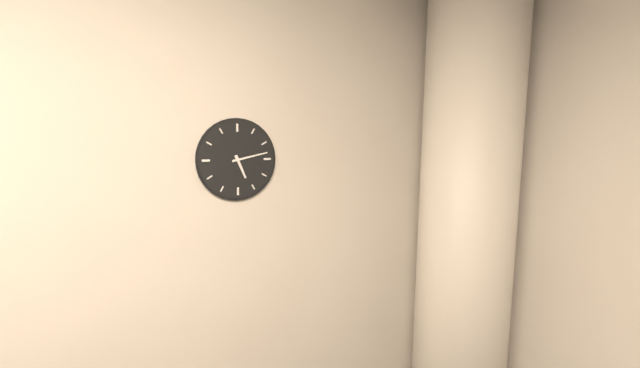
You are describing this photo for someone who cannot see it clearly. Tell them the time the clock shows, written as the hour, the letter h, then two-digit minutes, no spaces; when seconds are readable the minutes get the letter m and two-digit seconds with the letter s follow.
5h13
